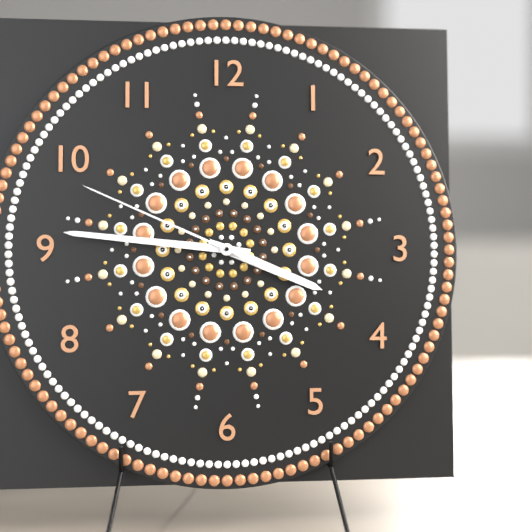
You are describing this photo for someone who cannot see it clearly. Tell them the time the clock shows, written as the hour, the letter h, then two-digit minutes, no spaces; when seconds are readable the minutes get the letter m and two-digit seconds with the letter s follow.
3h46m49s
